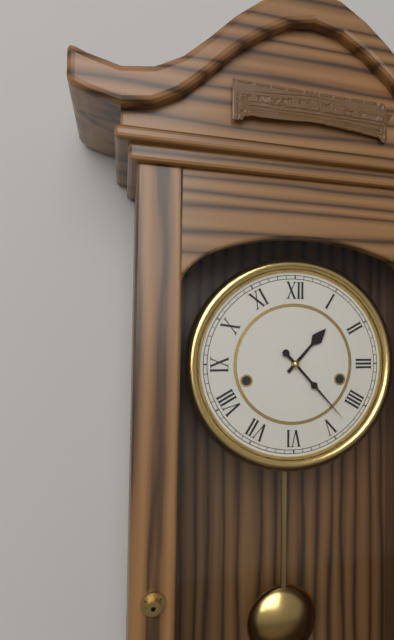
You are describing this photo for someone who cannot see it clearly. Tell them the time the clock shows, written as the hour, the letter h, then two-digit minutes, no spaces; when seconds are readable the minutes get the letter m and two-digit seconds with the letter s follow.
1h23
